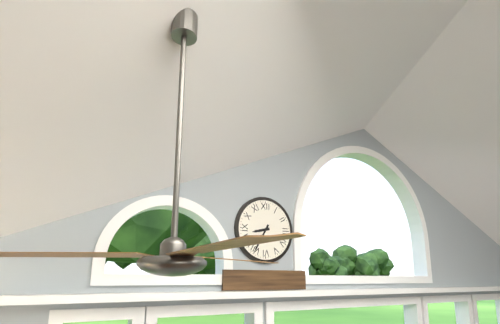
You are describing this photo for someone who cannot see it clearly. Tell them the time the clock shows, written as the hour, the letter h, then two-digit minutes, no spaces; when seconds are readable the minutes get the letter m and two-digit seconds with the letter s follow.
8h35
